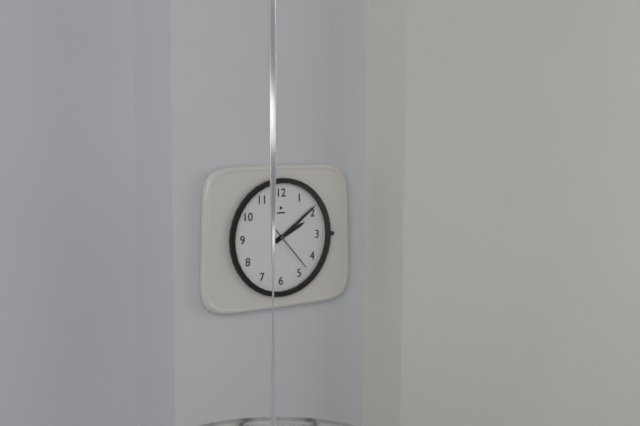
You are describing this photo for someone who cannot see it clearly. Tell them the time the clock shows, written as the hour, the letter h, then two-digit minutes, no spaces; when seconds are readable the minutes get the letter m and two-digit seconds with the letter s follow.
2h09
